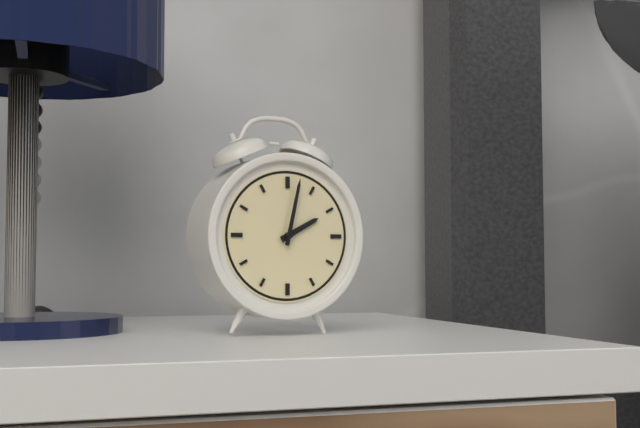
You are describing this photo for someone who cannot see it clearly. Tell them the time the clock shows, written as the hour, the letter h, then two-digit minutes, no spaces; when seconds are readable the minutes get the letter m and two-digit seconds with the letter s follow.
2h02
